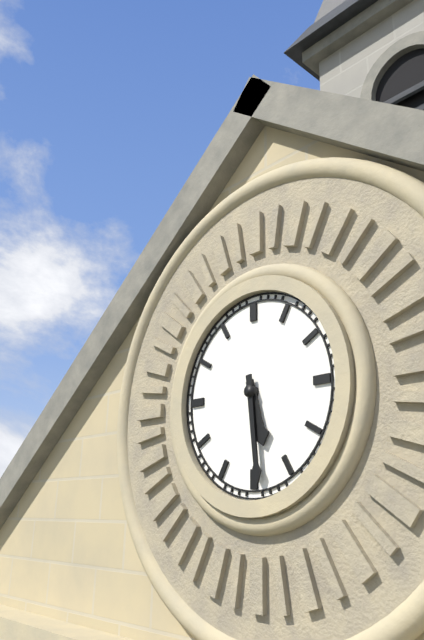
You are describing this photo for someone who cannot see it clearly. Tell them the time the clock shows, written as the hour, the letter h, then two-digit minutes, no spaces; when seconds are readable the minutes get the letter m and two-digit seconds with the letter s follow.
5h29
